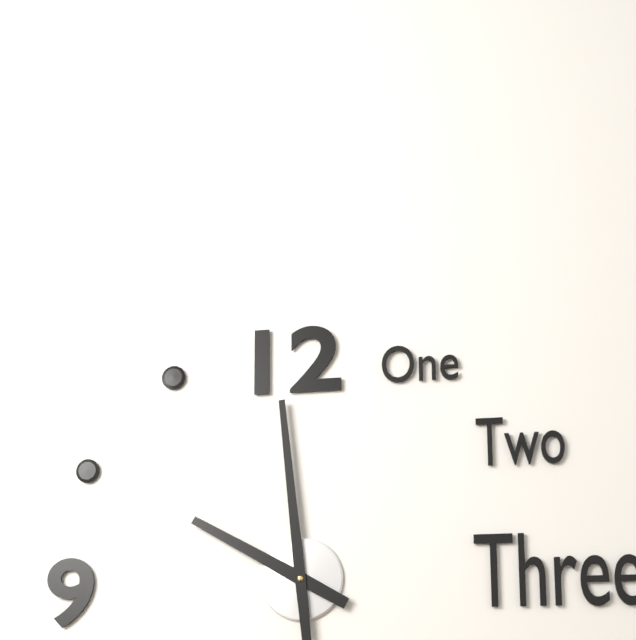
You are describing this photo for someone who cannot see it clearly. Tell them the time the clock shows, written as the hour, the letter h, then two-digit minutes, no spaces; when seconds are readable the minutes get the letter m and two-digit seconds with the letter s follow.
9h59
